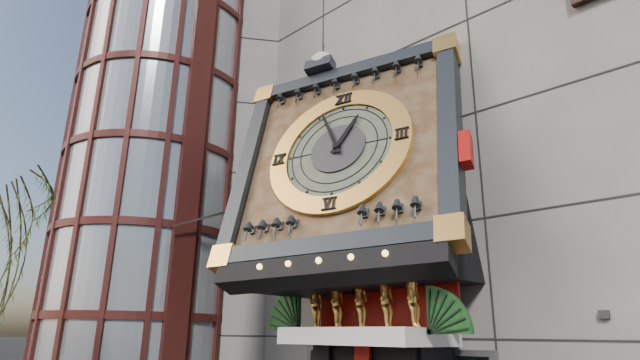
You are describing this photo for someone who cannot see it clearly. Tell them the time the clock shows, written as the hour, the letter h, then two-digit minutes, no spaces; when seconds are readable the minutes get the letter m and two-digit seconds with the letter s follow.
12h56
